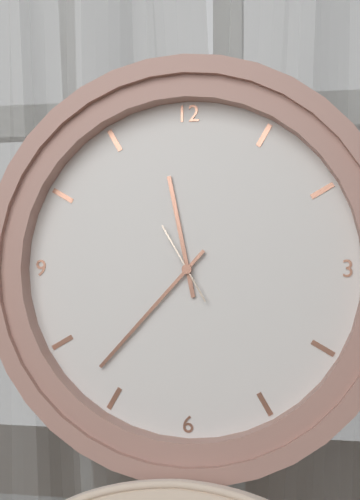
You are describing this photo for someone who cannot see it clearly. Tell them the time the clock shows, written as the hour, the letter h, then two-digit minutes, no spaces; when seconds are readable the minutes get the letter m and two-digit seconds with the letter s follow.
11h37m55s
